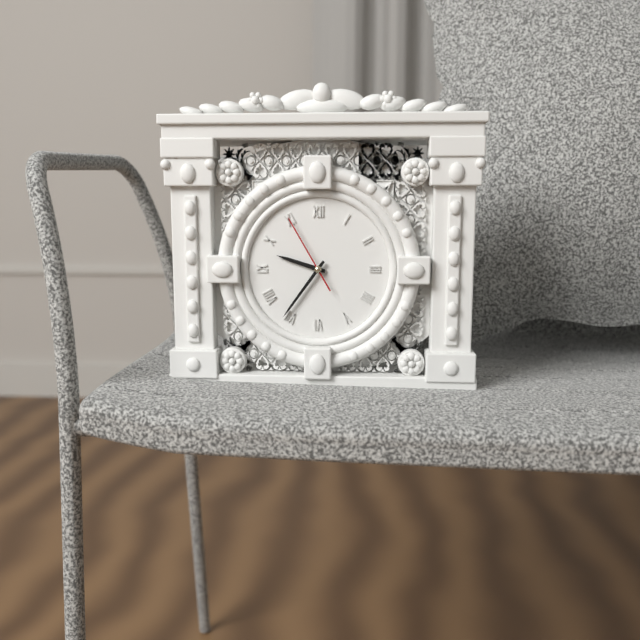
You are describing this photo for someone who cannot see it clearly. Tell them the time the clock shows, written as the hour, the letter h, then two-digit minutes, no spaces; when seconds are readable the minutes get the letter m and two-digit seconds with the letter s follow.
9h36m55s
